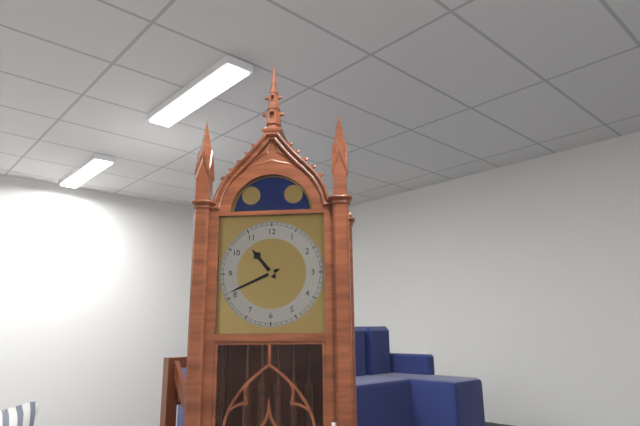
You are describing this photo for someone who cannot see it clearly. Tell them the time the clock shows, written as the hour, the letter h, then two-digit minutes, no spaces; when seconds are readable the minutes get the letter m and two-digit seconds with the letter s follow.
10h41
